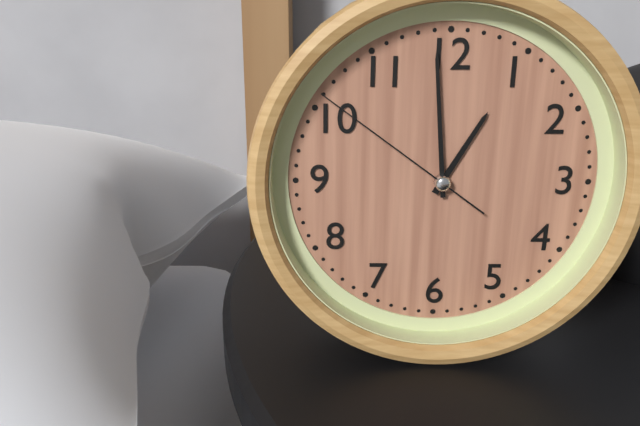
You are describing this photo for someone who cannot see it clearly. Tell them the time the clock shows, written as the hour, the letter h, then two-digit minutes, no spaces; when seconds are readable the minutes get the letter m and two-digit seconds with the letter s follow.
12h59m51s
